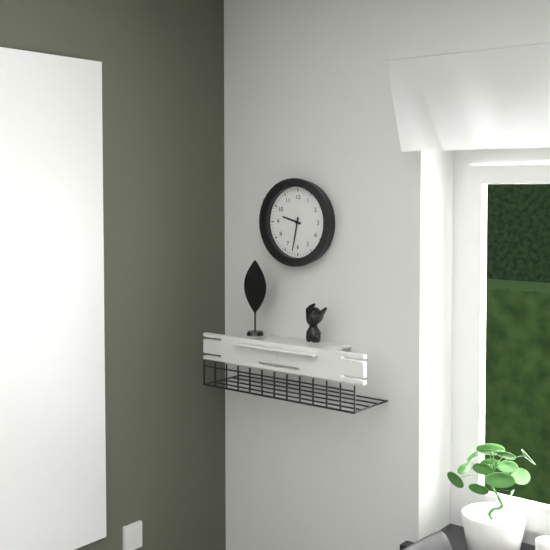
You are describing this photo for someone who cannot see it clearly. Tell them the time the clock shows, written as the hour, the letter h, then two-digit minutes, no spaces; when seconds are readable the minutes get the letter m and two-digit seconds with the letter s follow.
9h32
